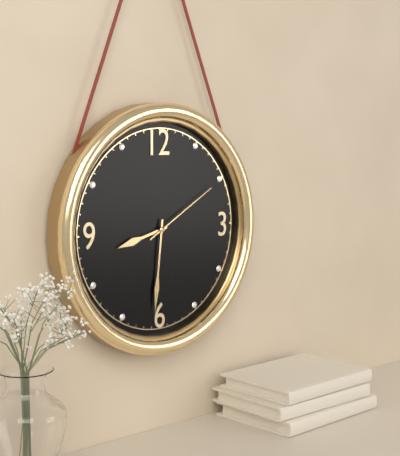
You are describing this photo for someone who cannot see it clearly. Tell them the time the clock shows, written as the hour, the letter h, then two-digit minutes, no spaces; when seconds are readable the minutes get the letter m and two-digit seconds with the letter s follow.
8h31m10s
